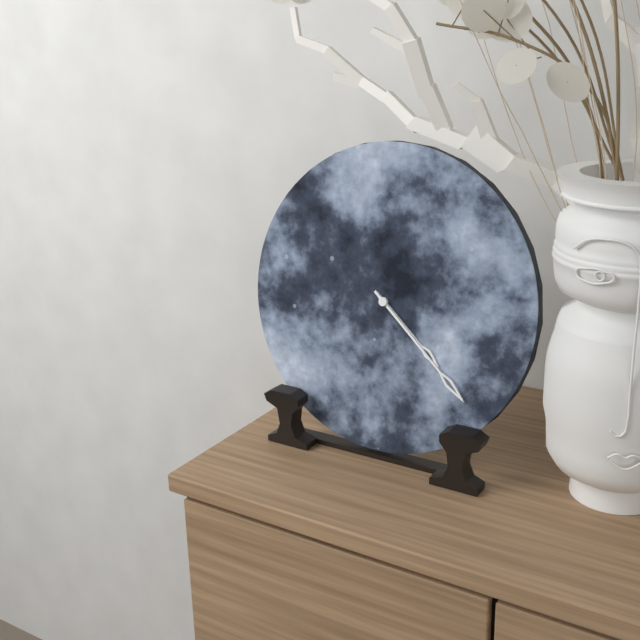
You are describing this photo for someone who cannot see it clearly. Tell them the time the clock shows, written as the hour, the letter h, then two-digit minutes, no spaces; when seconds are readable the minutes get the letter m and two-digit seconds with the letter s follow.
4h22
